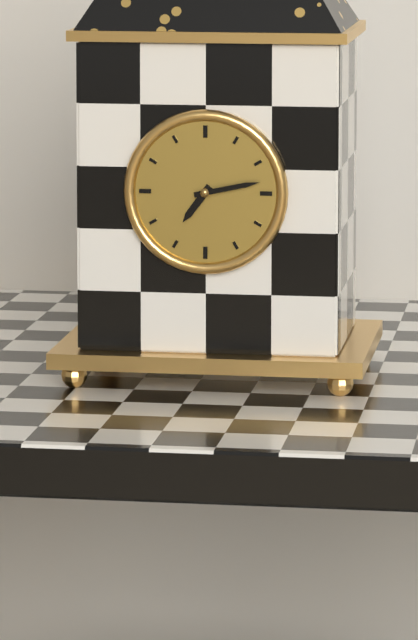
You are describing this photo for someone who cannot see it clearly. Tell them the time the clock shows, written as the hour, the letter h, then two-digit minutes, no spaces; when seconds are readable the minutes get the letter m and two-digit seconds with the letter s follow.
7h13
